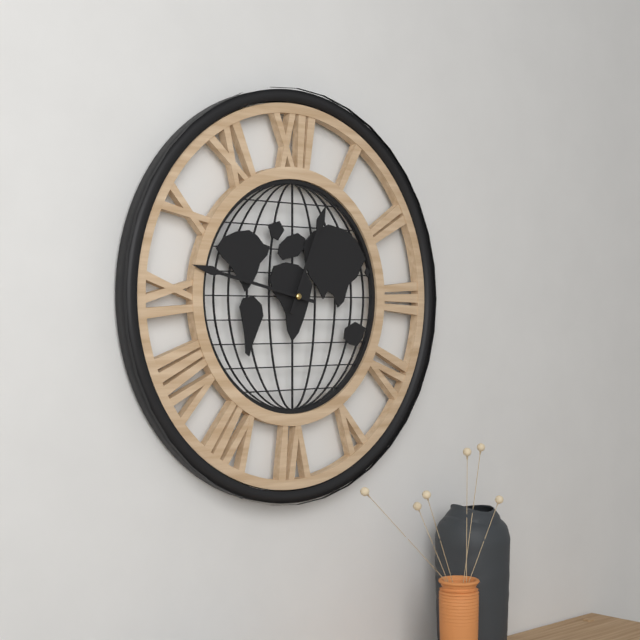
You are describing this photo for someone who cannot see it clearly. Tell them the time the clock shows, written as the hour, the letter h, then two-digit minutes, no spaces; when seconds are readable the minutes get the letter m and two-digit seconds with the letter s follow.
12h47
